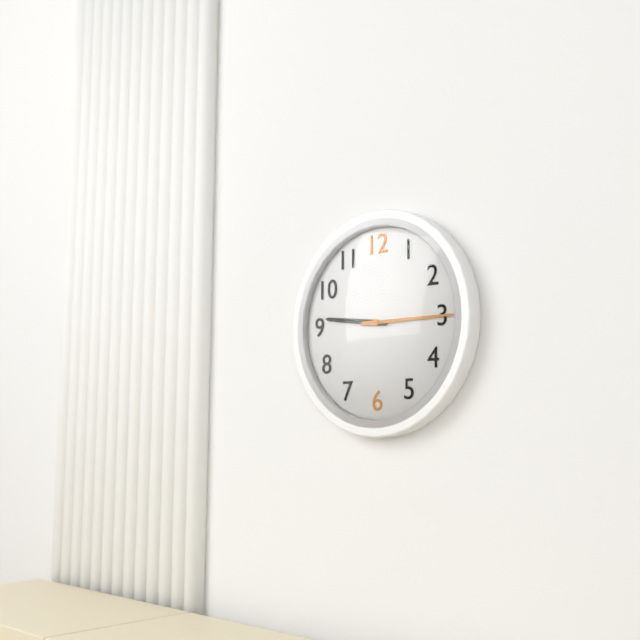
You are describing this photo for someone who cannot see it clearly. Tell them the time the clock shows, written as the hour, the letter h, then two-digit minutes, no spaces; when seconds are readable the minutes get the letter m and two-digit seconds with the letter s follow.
9h15
